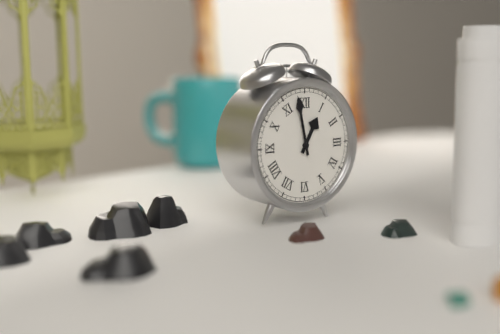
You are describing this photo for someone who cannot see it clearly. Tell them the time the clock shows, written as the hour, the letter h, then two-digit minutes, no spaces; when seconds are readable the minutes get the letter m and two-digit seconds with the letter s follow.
12h58
